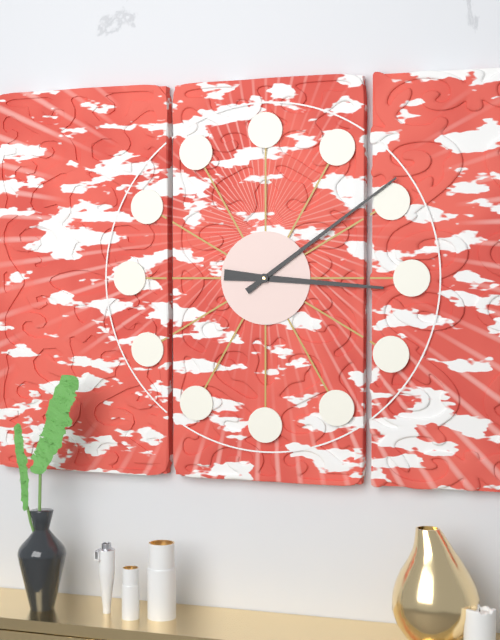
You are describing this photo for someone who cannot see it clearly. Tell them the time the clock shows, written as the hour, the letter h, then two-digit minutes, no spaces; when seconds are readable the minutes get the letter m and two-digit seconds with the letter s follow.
3h09
